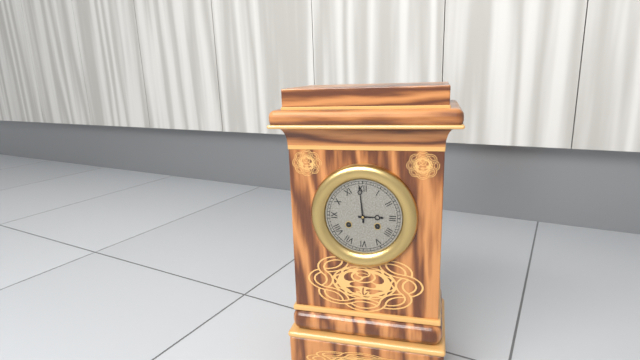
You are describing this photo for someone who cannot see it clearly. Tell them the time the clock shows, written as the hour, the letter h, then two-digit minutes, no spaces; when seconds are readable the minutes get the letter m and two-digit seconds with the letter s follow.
2h59
